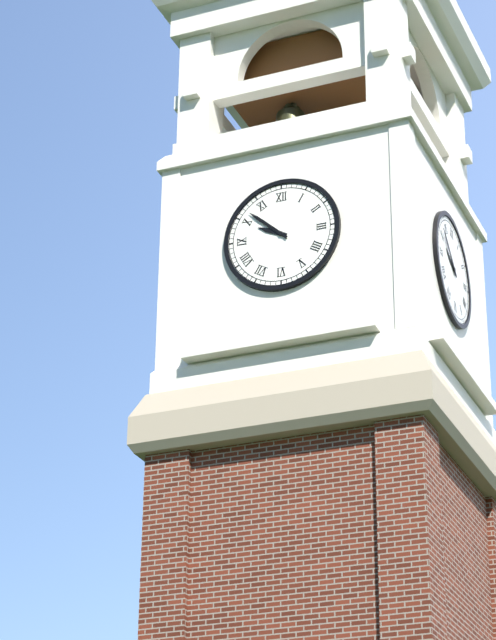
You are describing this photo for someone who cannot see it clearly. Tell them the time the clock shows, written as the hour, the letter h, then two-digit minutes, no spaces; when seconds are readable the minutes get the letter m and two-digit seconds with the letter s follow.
9h52
